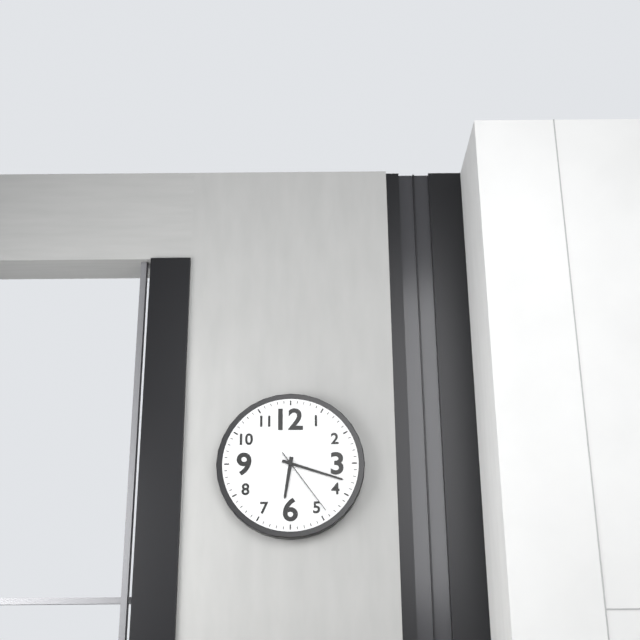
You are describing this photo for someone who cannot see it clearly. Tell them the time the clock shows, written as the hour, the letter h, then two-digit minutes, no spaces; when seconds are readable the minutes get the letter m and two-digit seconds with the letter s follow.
6h18m24s
